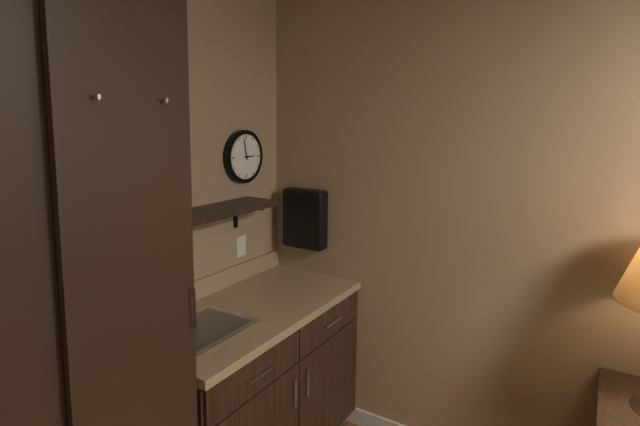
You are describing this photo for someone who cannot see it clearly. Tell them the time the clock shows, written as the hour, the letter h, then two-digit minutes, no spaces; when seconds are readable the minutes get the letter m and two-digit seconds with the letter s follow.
2h58
